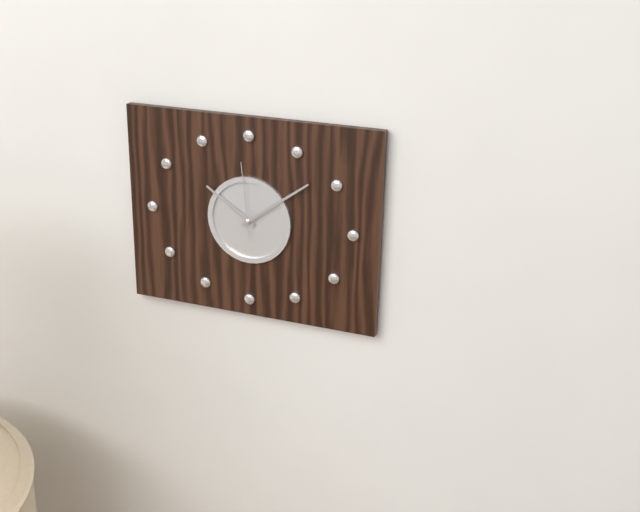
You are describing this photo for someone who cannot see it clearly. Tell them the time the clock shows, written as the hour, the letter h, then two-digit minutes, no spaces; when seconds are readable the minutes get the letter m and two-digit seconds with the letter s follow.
10h09m59s
